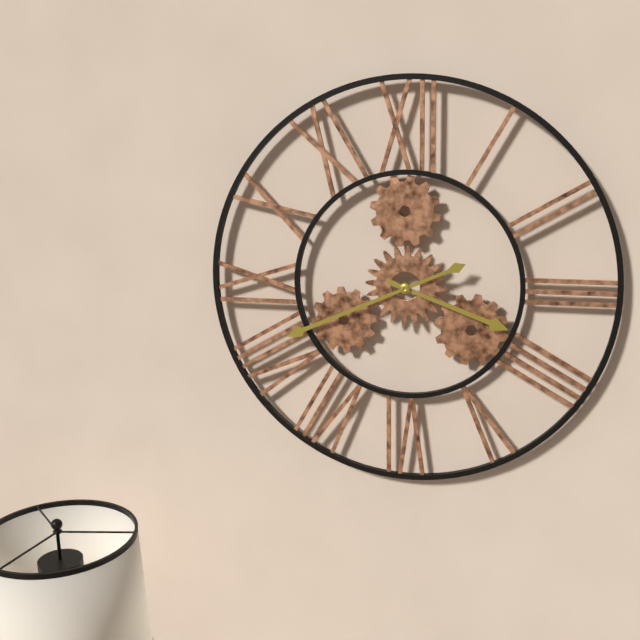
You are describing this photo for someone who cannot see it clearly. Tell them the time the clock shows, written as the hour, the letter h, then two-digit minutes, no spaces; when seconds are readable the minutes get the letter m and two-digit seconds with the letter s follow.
3h41
